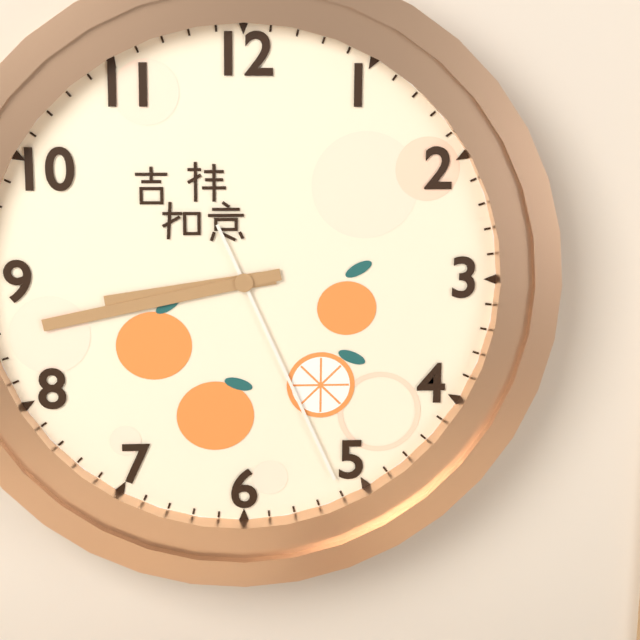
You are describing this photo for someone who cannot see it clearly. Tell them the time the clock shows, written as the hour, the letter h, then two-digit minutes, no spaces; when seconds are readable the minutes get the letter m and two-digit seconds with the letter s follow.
8h43m26s
